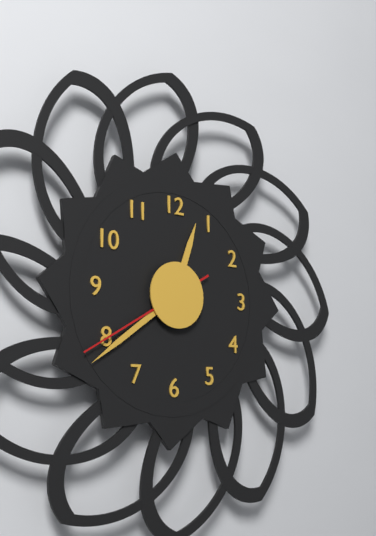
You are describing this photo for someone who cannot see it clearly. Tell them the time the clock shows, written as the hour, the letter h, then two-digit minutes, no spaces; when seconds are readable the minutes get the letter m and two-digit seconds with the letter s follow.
12h39m40s
